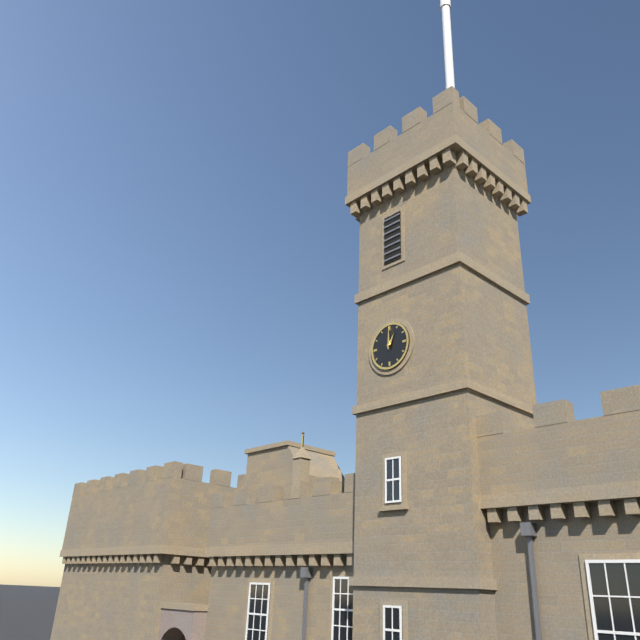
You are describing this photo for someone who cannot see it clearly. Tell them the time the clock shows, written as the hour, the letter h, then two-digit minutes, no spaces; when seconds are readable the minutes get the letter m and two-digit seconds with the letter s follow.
1h00
